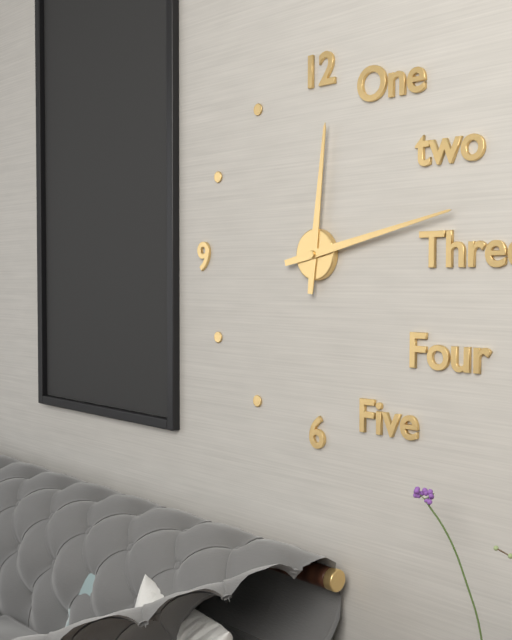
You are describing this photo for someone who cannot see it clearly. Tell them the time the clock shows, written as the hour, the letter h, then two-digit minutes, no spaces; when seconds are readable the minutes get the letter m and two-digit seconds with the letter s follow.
12h13
